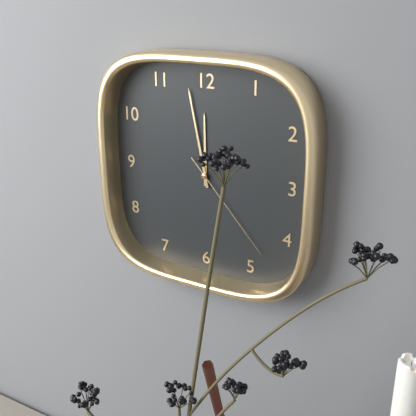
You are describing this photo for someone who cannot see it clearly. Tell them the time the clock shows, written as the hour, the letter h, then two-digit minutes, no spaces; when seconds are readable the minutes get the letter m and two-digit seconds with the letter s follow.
11h58m23s
